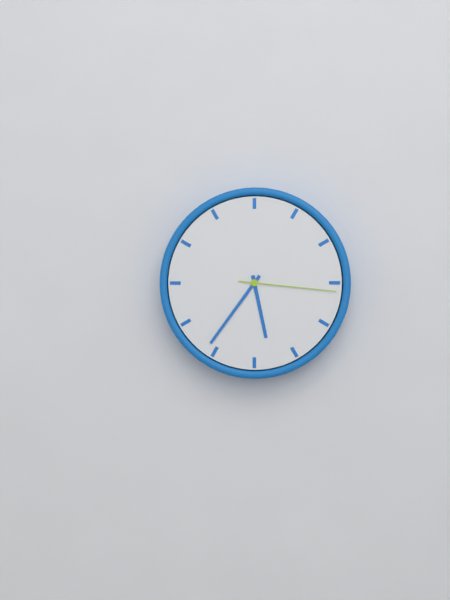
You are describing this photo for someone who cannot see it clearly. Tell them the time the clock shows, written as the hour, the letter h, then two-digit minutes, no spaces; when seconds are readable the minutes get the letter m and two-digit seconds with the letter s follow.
5h36m16s
